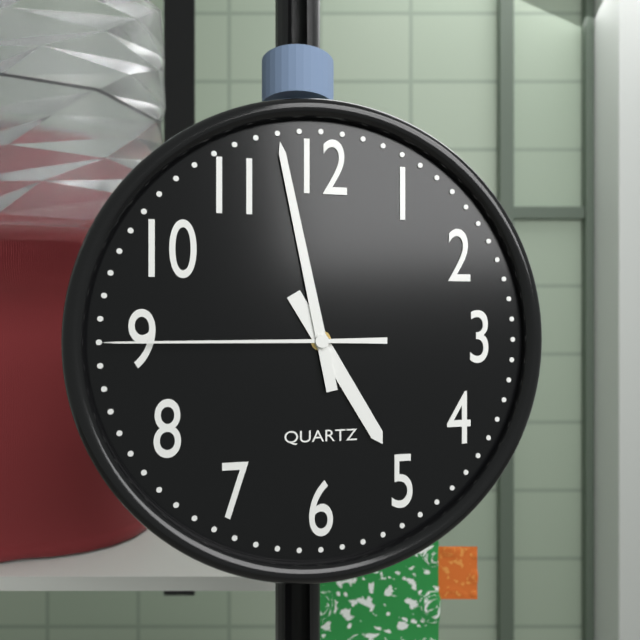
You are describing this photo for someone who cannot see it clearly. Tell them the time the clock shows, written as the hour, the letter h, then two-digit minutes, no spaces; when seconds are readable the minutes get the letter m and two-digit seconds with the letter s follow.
4h58m45s
